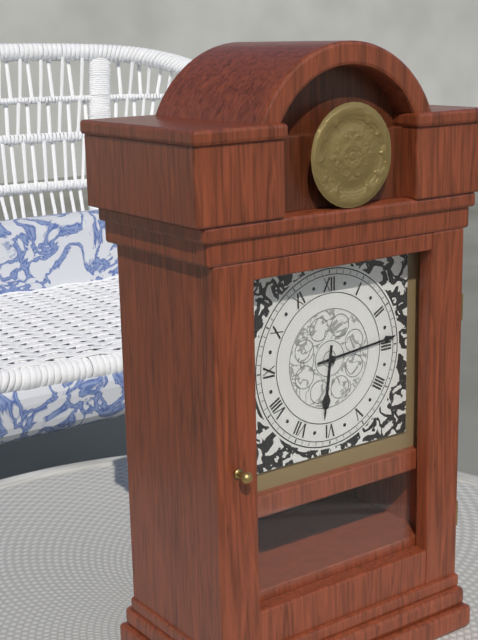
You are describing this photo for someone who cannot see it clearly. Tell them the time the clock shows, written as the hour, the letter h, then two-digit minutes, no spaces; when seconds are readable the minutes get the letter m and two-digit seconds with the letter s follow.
6h14
